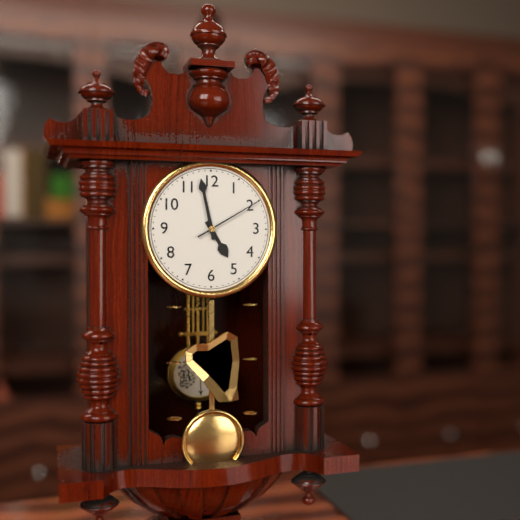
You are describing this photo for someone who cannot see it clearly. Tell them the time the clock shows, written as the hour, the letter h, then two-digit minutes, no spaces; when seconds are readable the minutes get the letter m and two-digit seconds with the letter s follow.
4h58m10s
